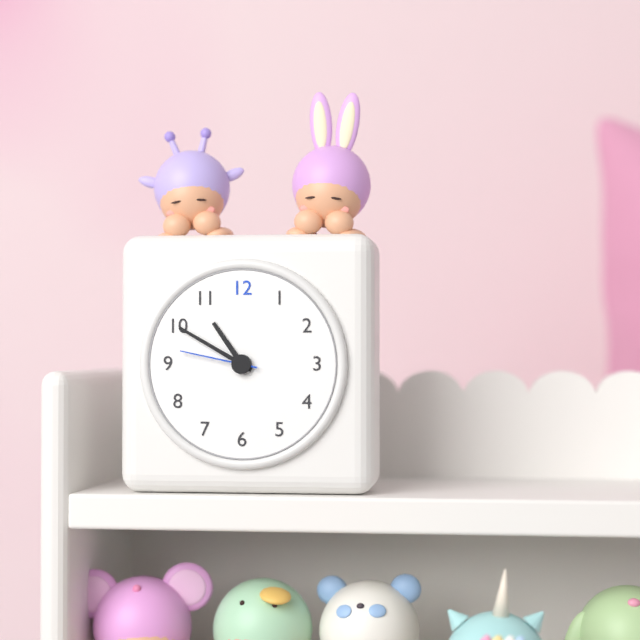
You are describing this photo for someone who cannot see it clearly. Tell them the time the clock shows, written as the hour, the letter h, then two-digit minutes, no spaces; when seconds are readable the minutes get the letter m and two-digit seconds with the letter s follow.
10h50m47s
